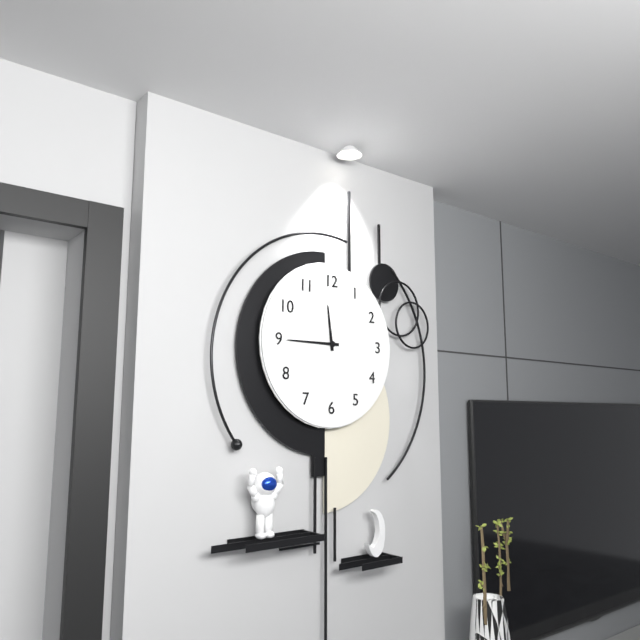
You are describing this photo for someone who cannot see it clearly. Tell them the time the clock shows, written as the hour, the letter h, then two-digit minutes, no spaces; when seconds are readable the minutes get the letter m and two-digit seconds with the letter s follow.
11h45
